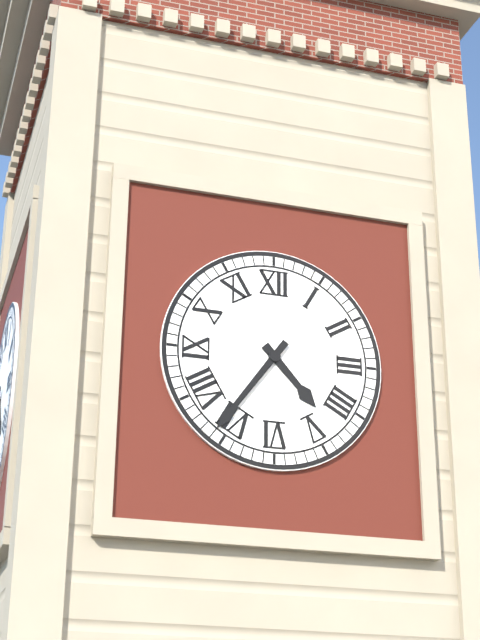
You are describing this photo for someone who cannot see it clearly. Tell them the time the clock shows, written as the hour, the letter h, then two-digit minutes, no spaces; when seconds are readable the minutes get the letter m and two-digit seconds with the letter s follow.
4h36
